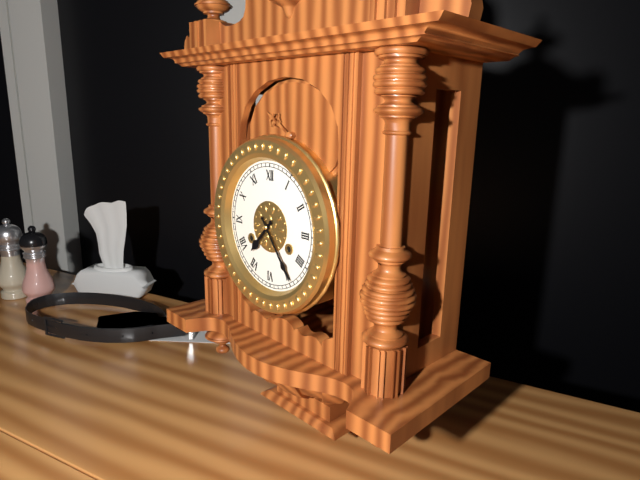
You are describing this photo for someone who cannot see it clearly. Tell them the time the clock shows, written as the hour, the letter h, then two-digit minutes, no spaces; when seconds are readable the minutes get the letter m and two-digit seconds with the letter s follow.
7h24
